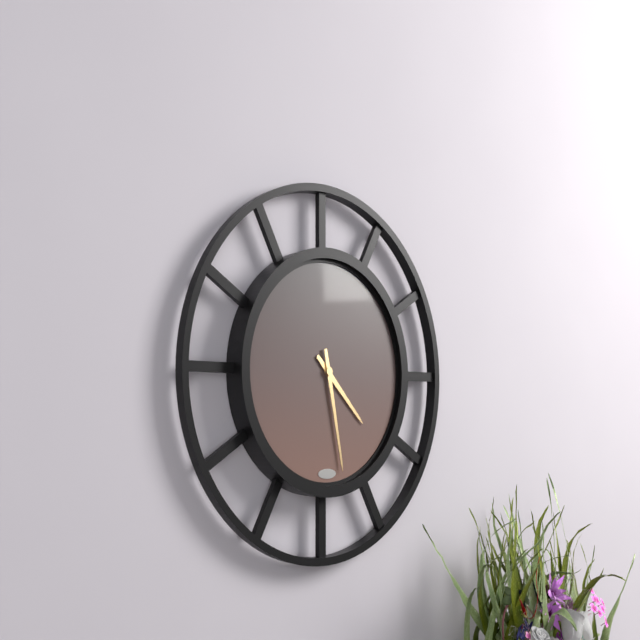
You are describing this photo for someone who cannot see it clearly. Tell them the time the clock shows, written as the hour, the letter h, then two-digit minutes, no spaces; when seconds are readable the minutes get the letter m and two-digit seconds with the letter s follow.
4h28
